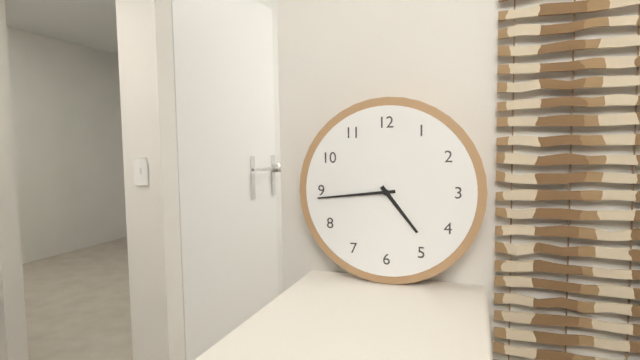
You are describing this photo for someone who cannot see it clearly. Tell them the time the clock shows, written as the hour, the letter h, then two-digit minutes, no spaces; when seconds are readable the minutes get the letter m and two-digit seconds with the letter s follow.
4h44
